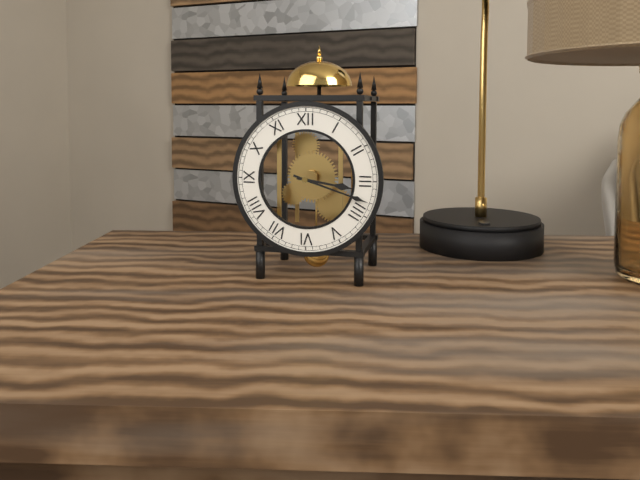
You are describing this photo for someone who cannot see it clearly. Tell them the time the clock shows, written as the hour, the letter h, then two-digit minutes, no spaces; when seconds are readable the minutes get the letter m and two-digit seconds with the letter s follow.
3h18
